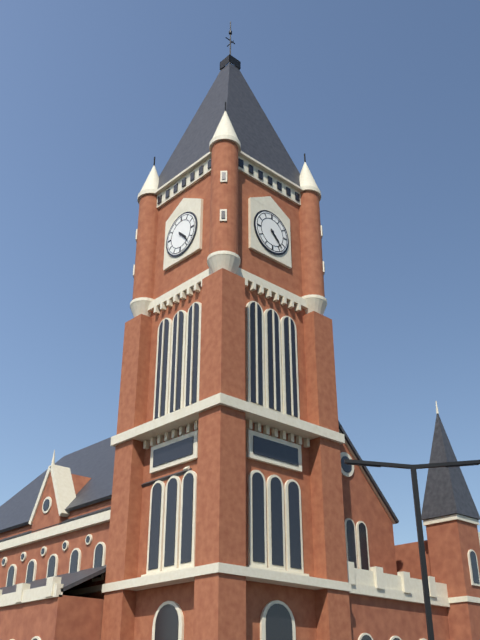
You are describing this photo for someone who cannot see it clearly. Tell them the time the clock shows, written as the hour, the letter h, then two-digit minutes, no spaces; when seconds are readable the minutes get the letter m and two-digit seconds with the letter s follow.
4h23
